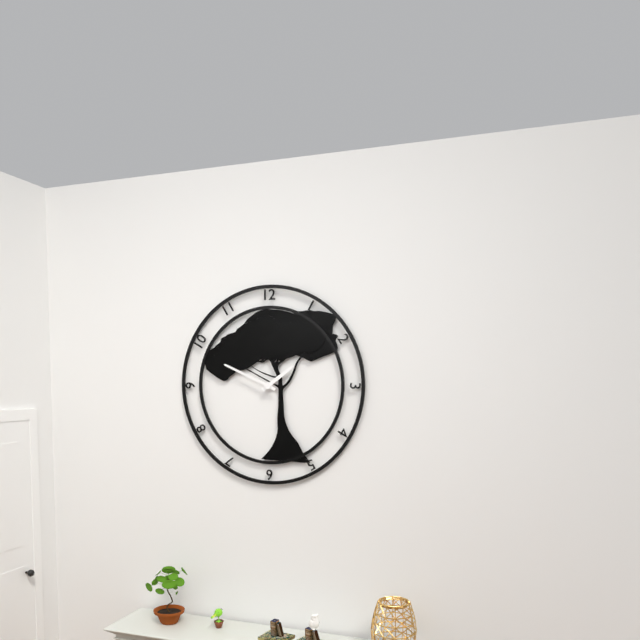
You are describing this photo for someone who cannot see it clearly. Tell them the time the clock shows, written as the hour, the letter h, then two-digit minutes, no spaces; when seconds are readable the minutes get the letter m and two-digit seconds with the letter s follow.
1h49
